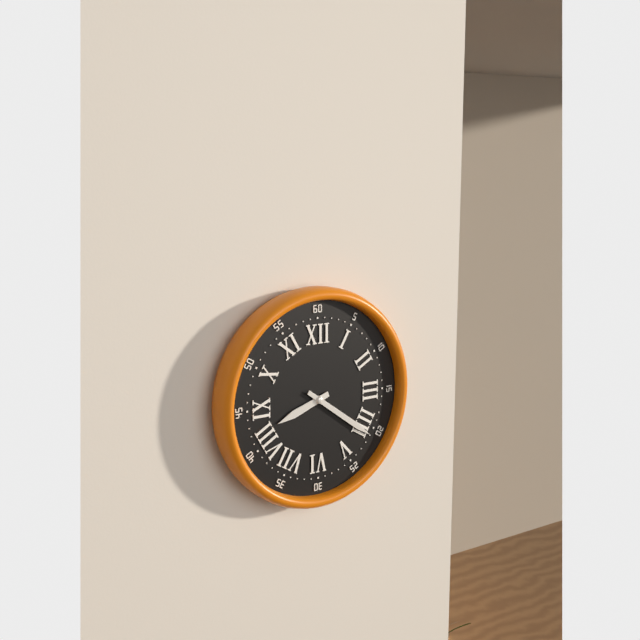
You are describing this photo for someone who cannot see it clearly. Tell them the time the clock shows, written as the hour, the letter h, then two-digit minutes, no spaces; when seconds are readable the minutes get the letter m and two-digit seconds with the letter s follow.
8h21
